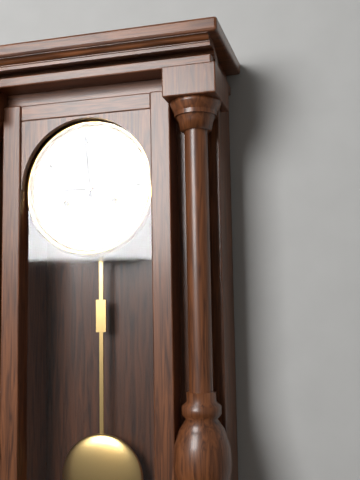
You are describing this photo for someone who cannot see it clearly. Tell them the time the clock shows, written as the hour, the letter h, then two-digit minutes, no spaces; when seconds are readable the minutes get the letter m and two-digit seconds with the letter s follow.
8h59
